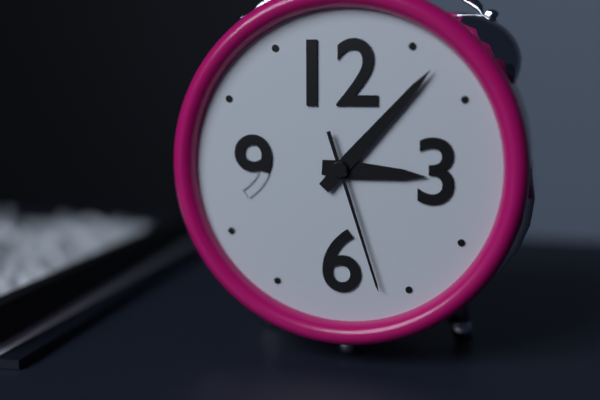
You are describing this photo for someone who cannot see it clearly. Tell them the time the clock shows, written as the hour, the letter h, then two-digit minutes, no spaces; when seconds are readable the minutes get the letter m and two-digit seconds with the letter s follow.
3h07m27s
